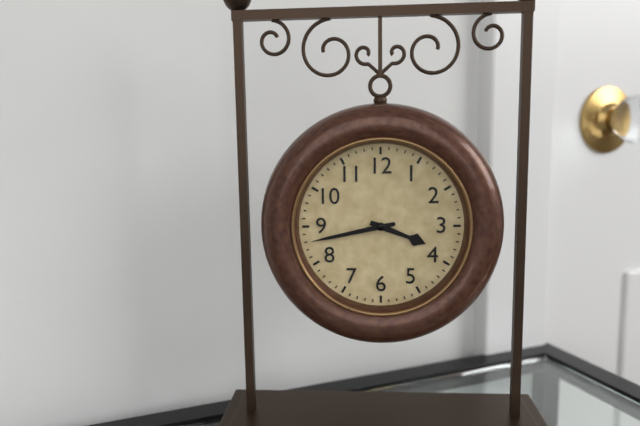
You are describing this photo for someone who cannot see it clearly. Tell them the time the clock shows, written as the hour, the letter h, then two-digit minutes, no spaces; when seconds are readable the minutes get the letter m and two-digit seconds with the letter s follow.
3h43
